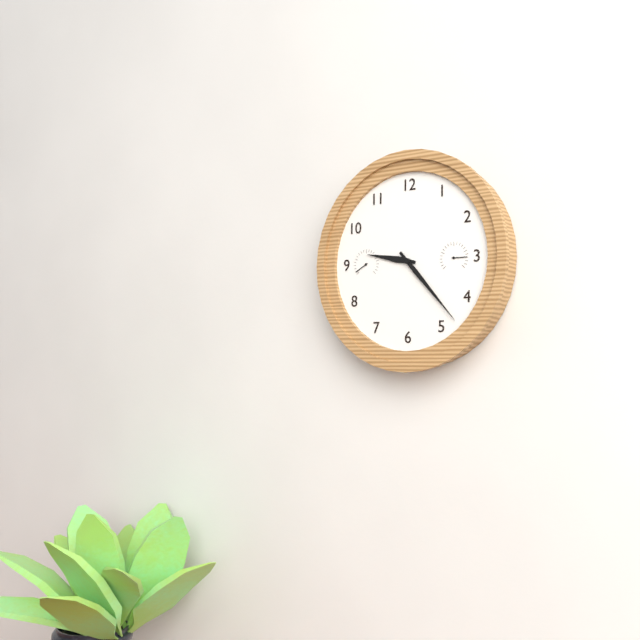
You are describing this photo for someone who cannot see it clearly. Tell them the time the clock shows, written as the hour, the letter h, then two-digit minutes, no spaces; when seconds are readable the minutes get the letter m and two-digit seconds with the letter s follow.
9h23
